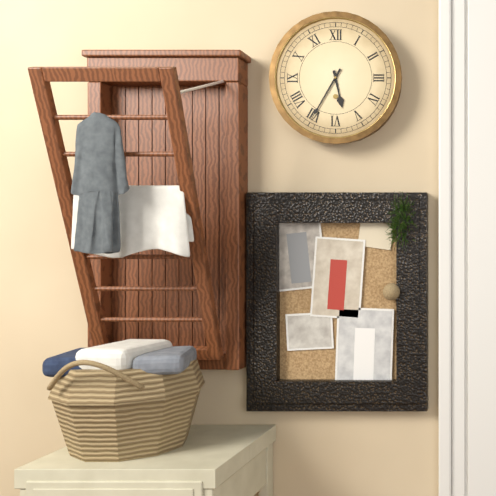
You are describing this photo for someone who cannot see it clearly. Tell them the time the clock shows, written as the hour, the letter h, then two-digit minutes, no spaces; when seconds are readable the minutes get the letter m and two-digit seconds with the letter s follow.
5h35
